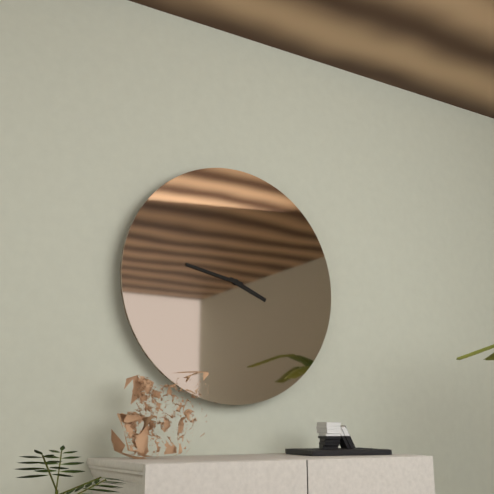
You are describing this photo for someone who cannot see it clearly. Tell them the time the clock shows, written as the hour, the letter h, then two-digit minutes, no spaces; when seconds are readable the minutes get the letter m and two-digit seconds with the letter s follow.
3h47
